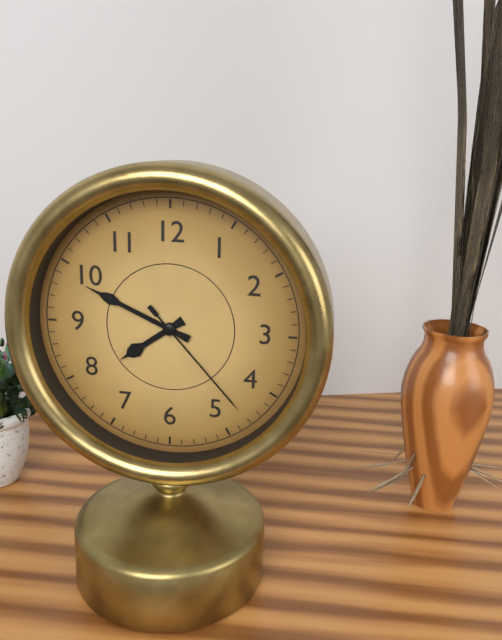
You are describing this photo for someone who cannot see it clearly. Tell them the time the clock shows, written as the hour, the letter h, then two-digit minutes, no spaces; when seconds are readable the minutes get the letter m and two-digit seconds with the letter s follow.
7h49m23s
